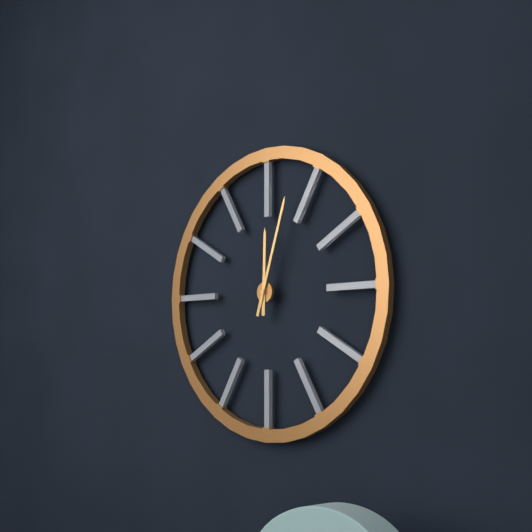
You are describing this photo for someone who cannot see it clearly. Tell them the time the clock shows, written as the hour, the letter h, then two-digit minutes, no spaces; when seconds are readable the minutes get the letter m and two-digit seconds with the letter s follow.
12h03
